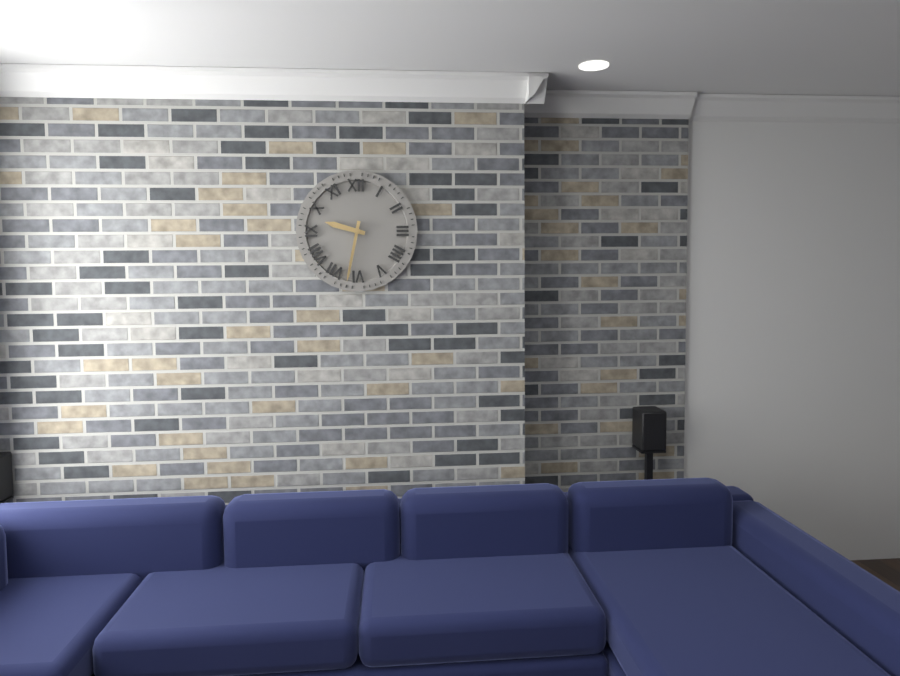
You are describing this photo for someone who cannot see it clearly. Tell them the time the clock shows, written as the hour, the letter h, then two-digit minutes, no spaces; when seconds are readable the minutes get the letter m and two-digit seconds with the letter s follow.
9h32
